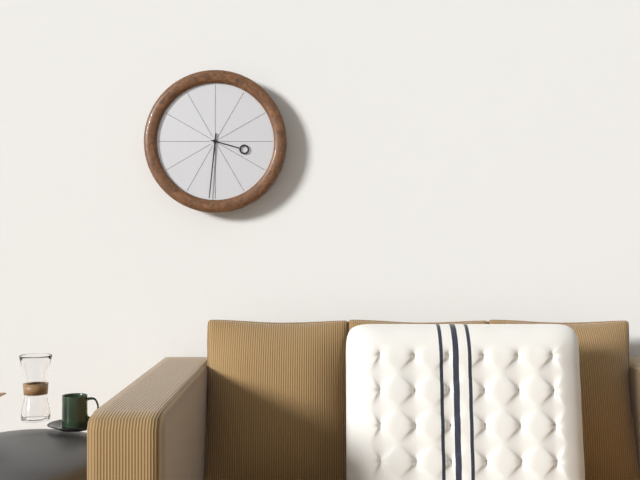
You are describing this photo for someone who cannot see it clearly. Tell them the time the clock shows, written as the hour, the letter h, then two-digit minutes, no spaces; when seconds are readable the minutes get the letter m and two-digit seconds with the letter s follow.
3h31
